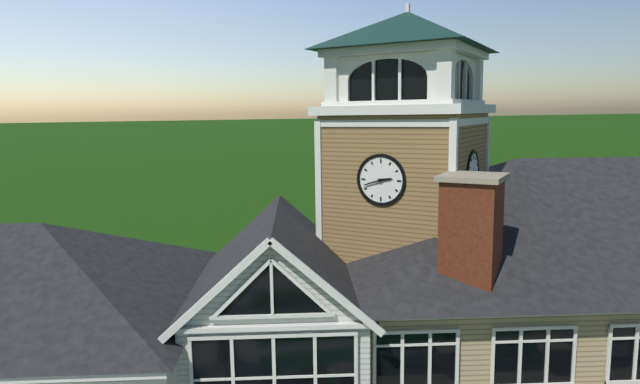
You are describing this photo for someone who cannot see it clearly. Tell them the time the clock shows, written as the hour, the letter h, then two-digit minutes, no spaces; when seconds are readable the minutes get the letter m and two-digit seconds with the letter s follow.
2h42
